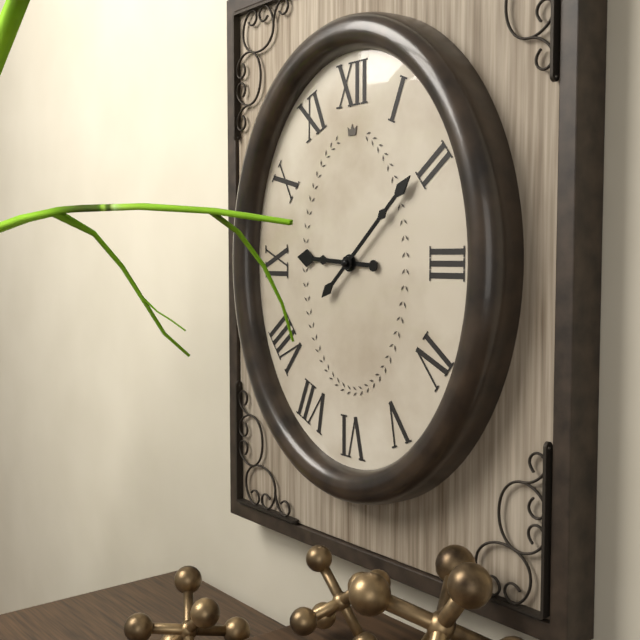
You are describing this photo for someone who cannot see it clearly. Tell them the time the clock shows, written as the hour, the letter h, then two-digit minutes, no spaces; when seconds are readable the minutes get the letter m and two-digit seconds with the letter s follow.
9h08
